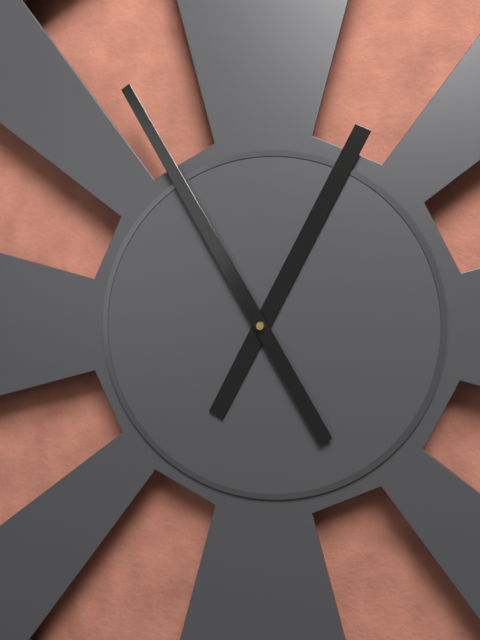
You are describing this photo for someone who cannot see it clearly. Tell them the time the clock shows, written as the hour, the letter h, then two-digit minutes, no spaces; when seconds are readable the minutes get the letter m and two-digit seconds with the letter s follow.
12h55
